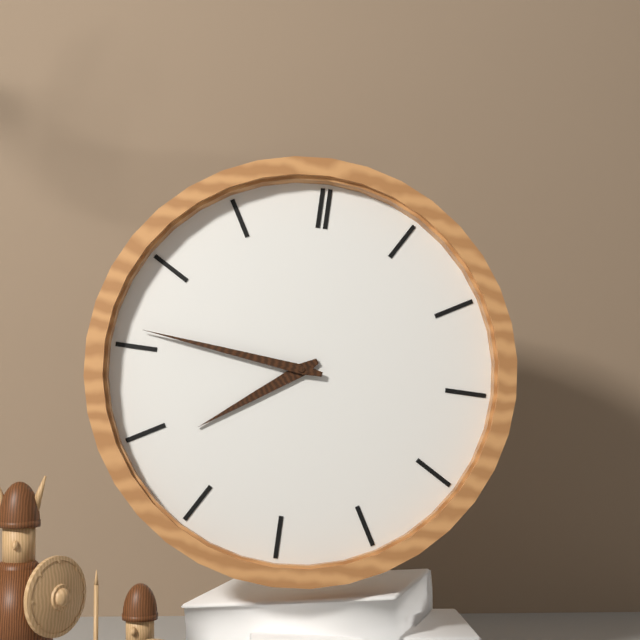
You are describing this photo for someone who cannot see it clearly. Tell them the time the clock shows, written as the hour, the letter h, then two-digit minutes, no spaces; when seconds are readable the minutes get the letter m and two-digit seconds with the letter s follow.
7h46
